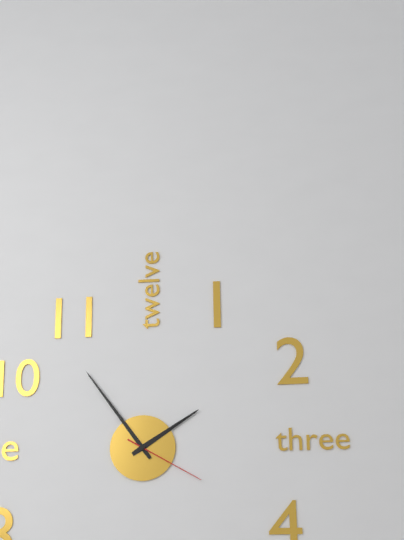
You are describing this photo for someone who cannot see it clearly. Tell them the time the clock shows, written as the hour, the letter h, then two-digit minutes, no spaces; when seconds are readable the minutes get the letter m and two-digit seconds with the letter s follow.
1h54m20s
